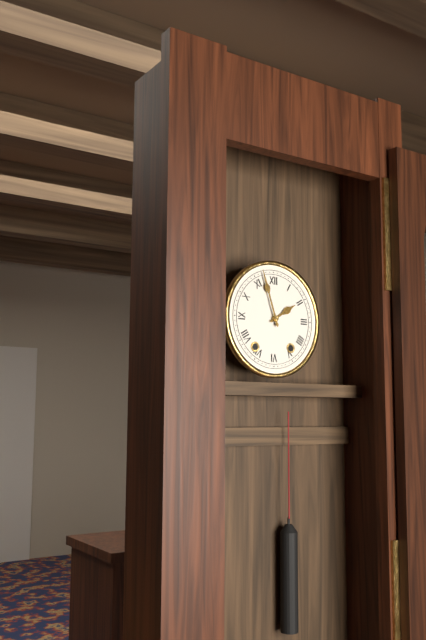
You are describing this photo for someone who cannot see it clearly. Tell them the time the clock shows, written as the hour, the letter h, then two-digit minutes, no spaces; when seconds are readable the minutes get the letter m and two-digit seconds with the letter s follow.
1h57
